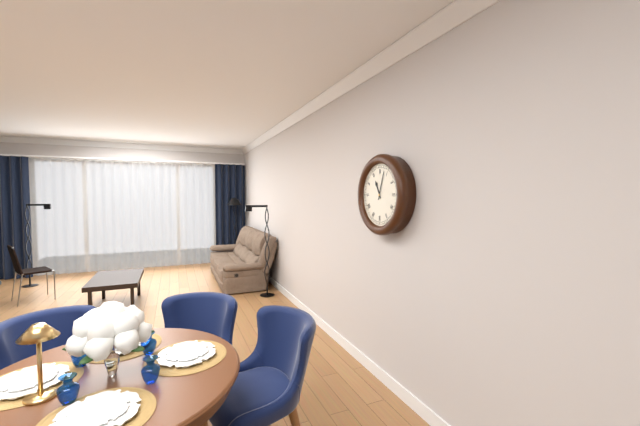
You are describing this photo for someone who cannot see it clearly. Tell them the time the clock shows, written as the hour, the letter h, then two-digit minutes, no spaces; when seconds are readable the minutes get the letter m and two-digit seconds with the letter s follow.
11h03
